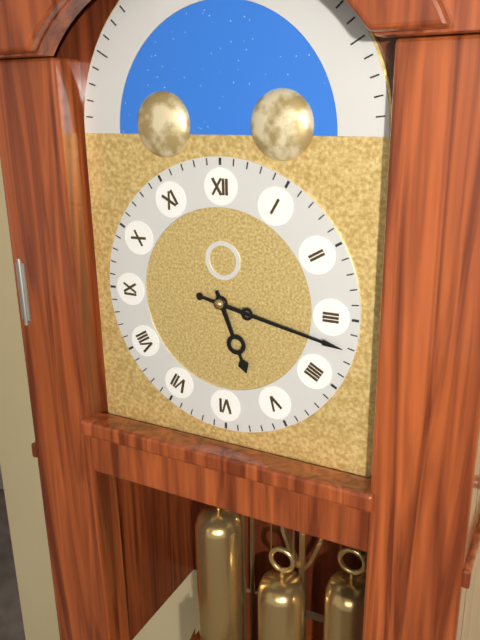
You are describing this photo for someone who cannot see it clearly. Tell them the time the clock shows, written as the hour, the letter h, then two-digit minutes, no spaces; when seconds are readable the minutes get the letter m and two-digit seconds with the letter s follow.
5h17
